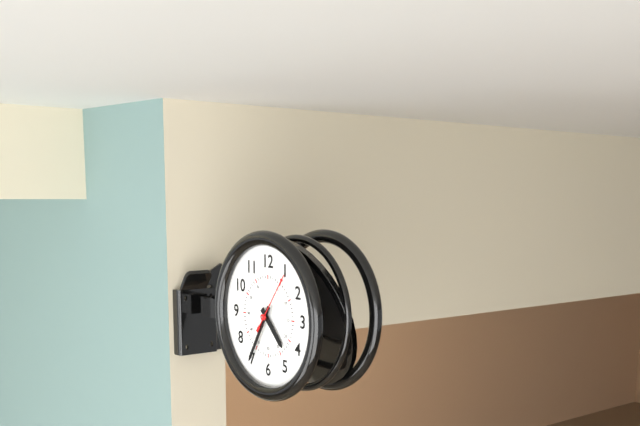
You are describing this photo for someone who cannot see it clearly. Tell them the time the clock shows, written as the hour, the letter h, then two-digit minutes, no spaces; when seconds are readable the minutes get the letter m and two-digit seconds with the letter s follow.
4h35m06s
